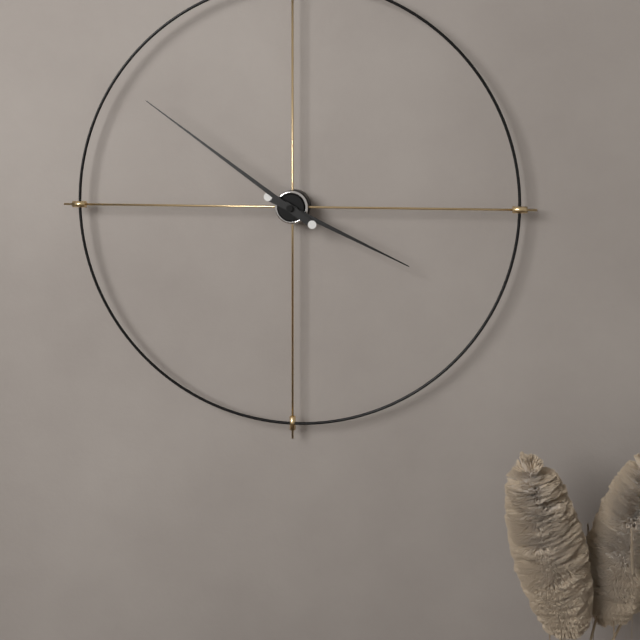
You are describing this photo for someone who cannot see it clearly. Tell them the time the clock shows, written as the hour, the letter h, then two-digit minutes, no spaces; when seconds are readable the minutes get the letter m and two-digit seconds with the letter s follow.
3h51
